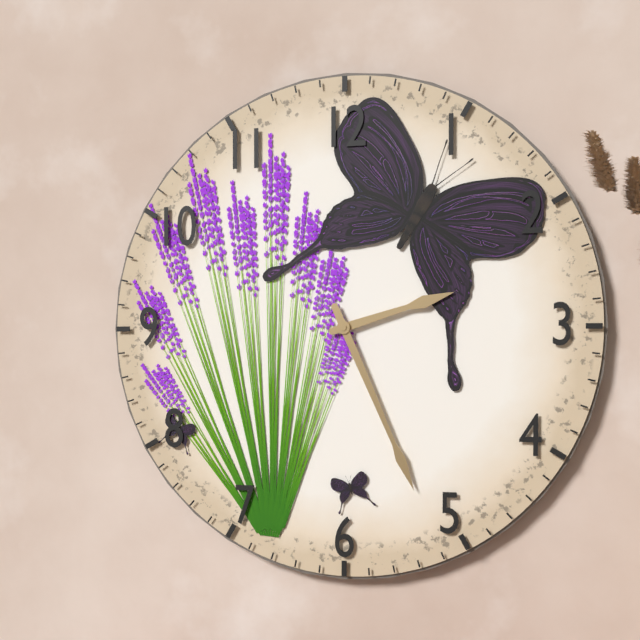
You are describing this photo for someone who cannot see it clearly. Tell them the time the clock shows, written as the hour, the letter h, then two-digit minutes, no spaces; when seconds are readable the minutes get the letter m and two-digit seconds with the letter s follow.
2h26
